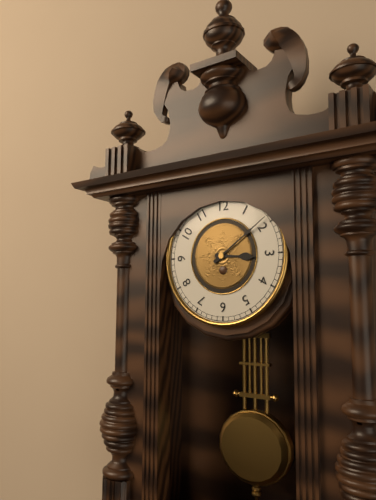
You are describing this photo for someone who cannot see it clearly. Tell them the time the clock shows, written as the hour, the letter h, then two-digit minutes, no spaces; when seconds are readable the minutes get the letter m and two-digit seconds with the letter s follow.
3h09
